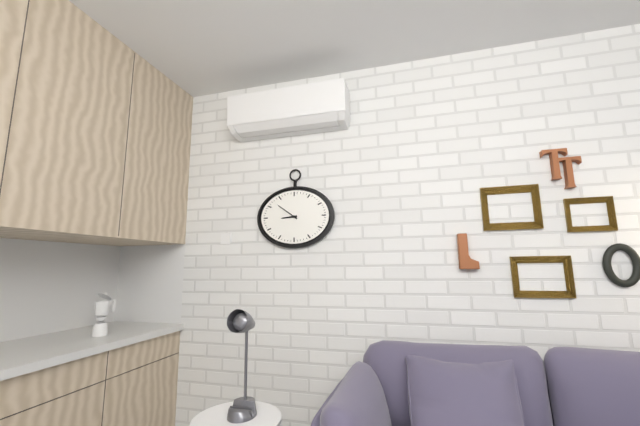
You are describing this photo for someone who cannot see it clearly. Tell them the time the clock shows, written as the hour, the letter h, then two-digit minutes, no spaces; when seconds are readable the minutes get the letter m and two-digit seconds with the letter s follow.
8h51
